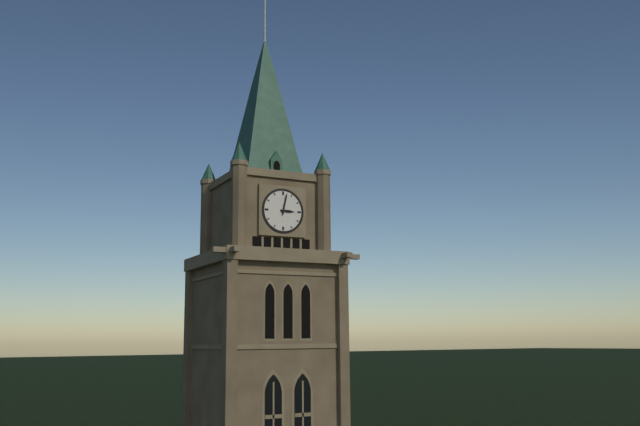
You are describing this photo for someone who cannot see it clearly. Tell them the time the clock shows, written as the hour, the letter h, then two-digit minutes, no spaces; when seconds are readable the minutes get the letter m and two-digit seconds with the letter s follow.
3h02
